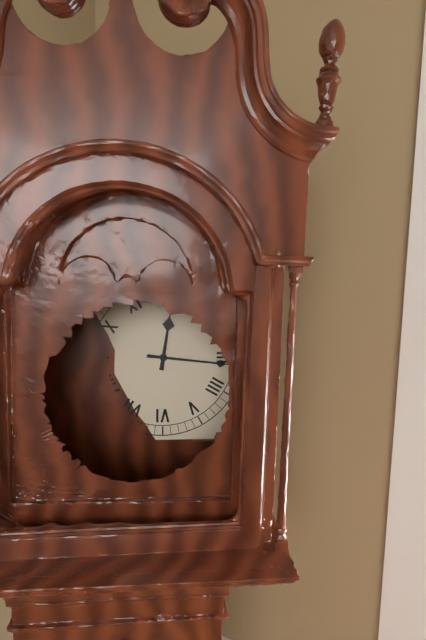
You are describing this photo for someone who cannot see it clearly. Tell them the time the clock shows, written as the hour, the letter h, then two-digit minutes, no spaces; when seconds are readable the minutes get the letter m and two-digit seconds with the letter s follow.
12h16
